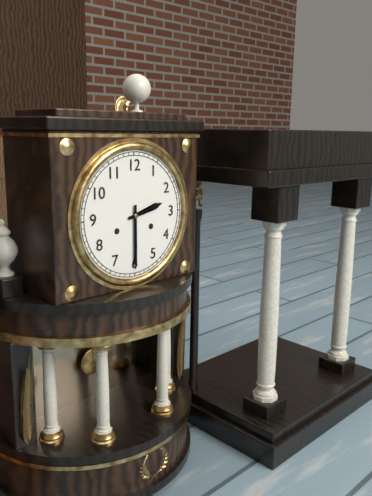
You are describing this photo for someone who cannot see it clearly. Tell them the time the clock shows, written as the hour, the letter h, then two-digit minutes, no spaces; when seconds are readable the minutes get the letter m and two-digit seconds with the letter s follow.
2h30
